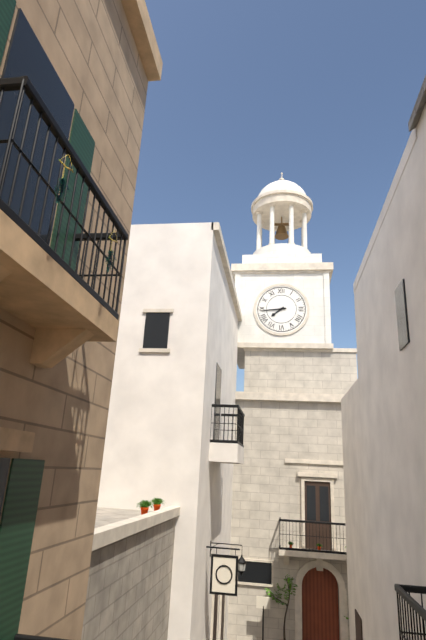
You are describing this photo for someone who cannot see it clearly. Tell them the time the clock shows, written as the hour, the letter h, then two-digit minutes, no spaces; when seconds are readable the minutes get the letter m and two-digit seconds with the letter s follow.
7h44
